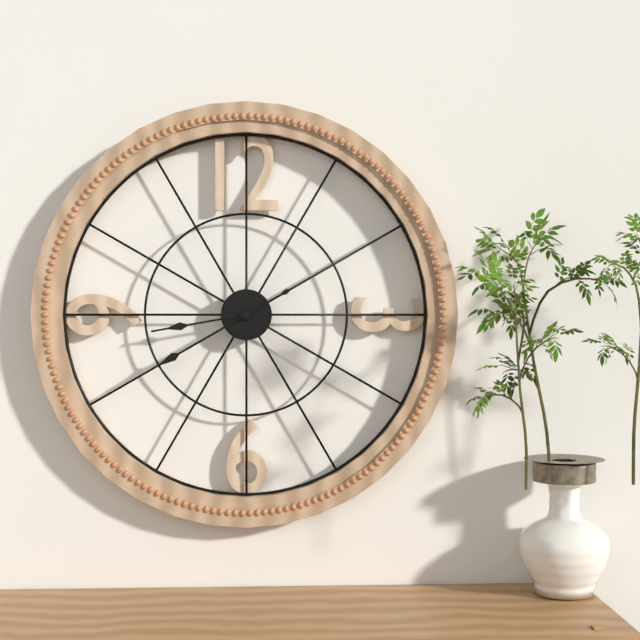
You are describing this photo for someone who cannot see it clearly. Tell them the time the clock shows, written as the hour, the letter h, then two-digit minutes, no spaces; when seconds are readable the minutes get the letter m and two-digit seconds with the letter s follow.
8h40
